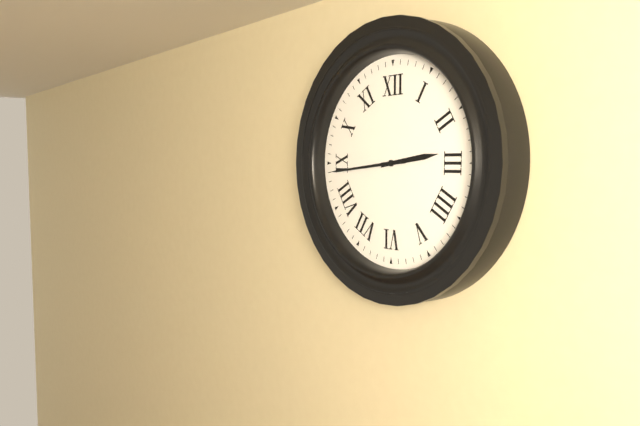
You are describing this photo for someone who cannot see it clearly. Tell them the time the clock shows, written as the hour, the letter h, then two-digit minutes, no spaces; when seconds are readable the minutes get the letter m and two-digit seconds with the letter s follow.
2h44
